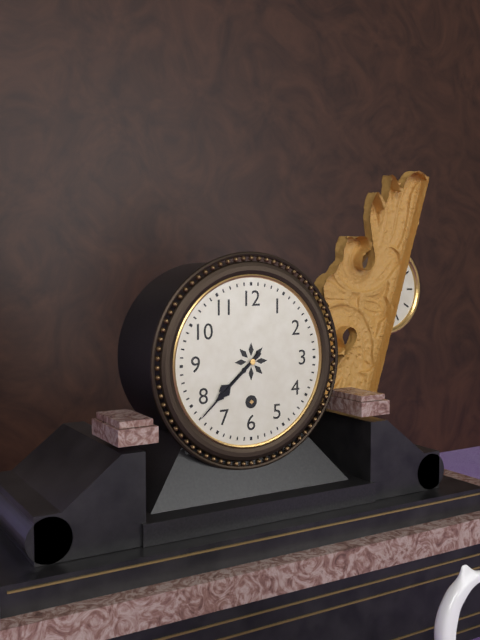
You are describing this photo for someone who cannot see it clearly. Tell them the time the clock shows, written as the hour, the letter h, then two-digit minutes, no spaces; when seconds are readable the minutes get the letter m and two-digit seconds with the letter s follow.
7h38
